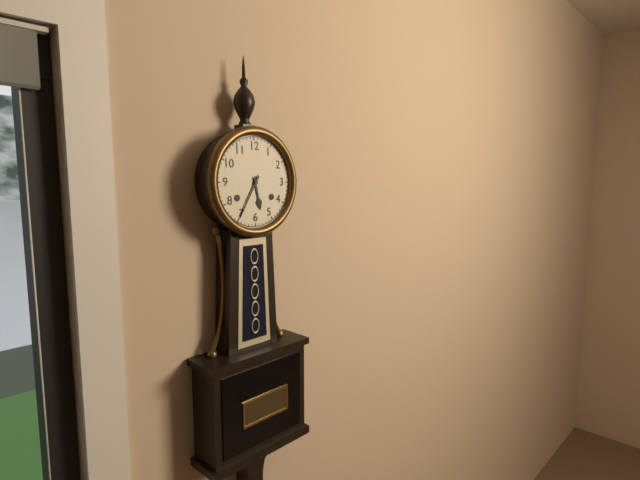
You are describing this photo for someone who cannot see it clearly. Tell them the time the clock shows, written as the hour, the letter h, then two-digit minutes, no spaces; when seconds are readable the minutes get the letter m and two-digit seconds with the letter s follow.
5h35
